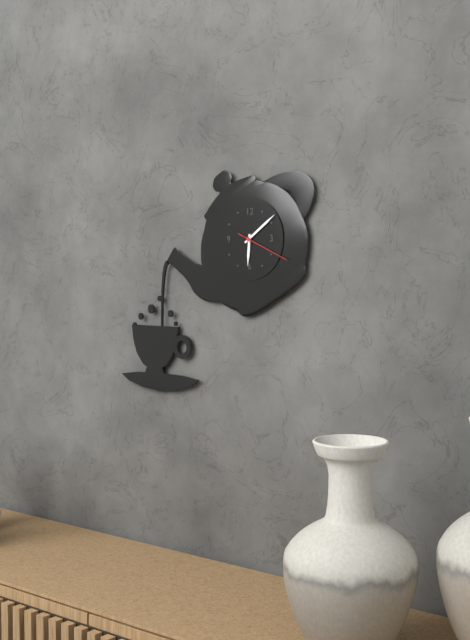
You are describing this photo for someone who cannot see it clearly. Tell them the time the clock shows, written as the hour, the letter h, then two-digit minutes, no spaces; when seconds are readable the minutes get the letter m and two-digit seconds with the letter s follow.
6h09m19s
